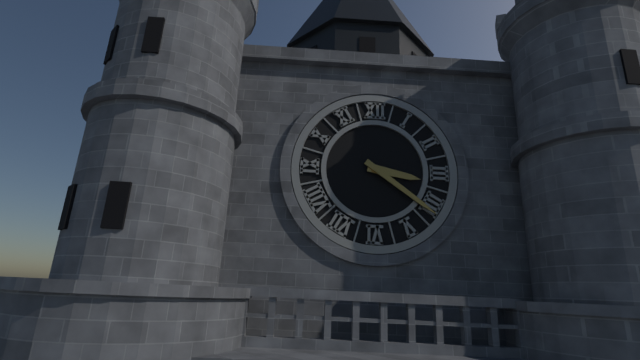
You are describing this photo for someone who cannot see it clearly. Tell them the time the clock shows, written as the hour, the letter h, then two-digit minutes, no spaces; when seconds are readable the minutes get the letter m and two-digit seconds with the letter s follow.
3h21
